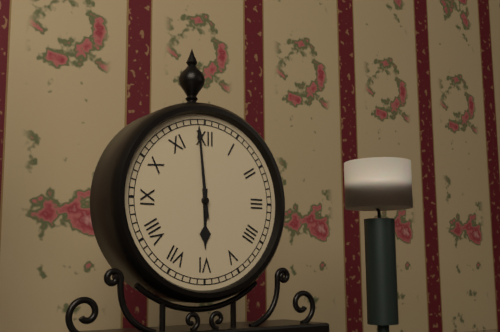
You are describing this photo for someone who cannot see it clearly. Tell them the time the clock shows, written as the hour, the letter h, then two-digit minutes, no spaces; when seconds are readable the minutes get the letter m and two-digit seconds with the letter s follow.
5h59
